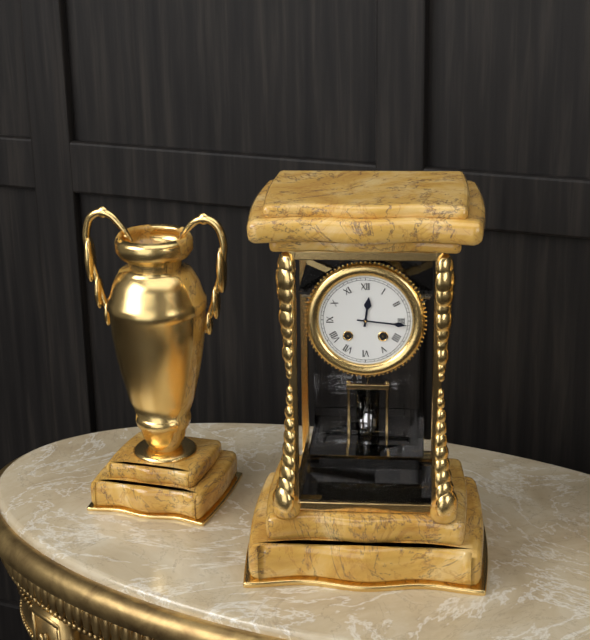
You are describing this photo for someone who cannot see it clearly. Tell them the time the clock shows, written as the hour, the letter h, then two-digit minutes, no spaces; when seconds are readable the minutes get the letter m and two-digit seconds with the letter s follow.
12h16
